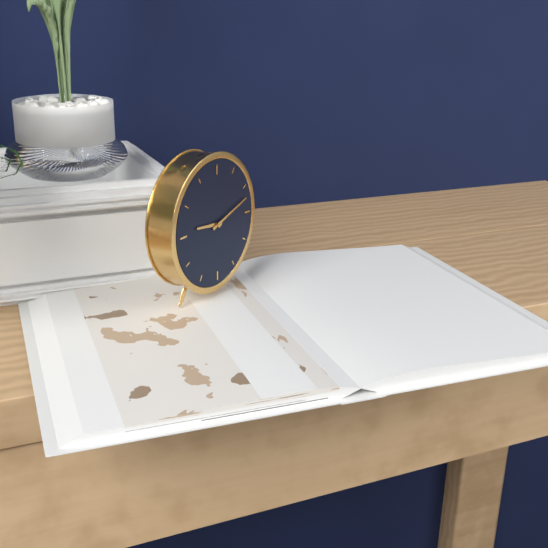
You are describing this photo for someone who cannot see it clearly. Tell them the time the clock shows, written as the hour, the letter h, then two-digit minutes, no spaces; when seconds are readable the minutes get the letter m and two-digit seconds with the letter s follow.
9h12
